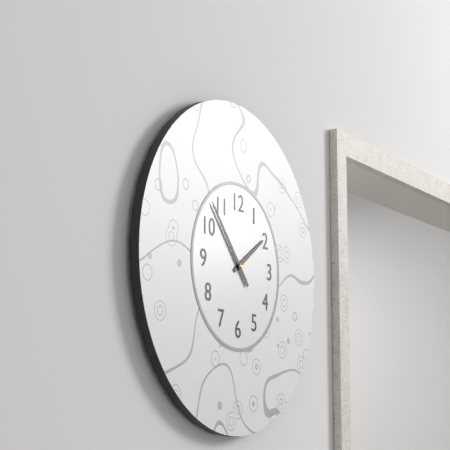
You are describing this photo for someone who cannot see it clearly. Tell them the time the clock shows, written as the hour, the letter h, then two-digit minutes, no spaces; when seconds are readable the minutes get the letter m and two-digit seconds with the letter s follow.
1h53
